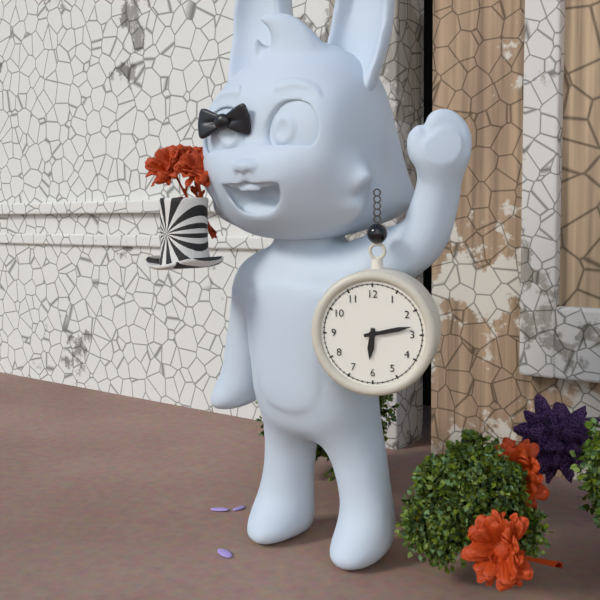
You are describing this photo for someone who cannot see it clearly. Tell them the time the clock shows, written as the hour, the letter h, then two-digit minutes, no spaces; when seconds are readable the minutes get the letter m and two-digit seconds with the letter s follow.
6h13
